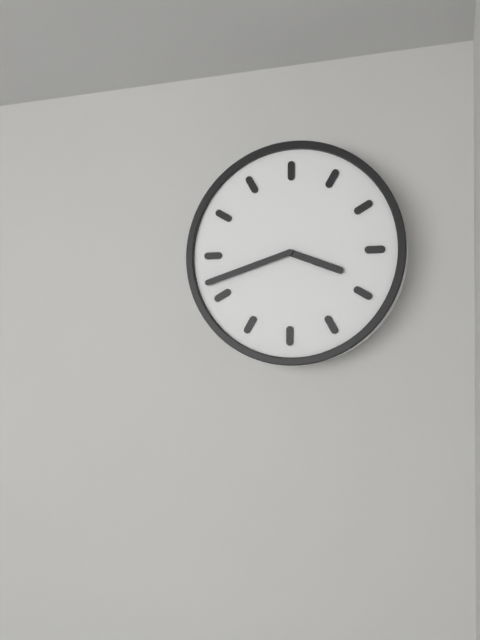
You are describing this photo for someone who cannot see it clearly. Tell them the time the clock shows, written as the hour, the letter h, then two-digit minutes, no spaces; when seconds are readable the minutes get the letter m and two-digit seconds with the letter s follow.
3h42
